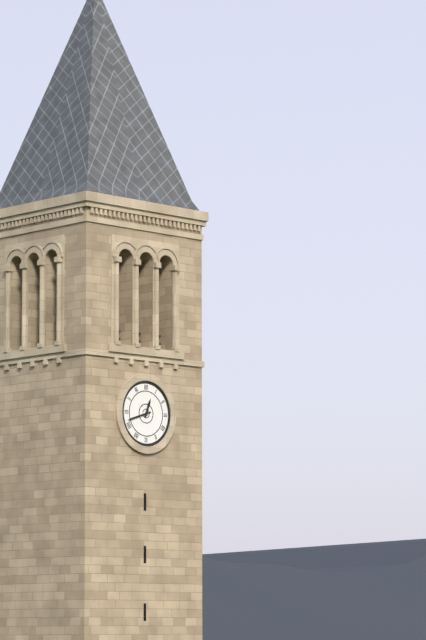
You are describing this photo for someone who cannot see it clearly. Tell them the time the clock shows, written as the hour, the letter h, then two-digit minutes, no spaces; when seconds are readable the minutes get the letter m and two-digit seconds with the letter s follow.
12h42
